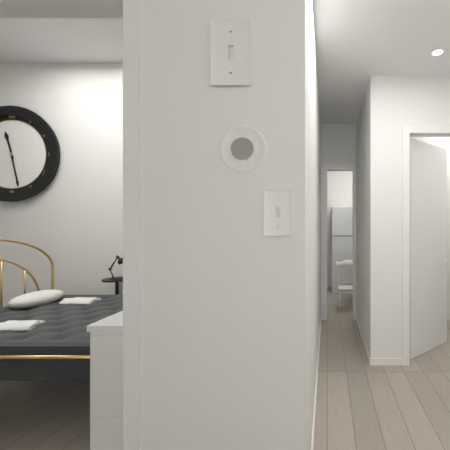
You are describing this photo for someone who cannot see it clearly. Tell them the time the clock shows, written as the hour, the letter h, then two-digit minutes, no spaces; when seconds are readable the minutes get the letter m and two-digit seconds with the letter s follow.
11h28
